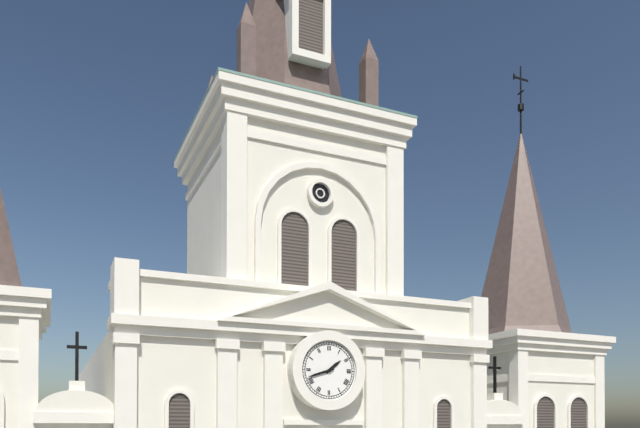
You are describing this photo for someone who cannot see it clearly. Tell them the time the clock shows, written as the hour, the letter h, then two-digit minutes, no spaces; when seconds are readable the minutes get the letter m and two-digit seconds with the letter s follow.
1h42
